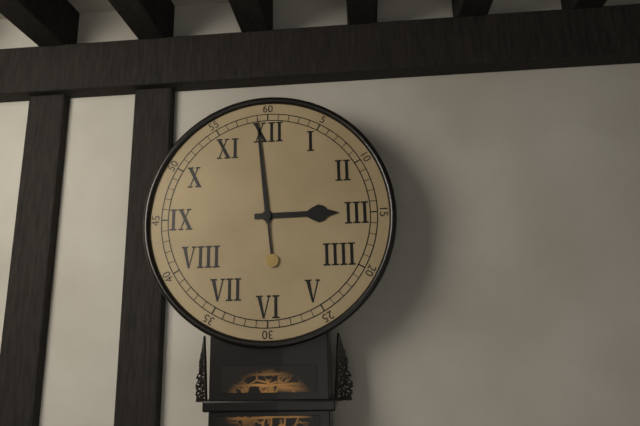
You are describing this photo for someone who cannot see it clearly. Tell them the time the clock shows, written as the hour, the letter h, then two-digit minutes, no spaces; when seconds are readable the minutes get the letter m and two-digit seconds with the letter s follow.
2h59
